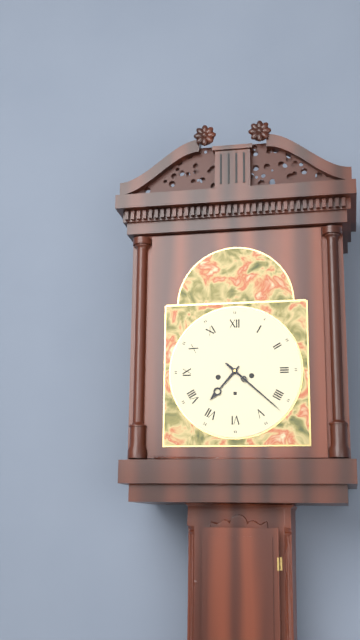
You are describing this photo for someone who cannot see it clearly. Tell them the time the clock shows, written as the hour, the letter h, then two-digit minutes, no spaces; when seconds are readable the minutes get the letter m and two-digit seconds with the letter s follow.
7h22
